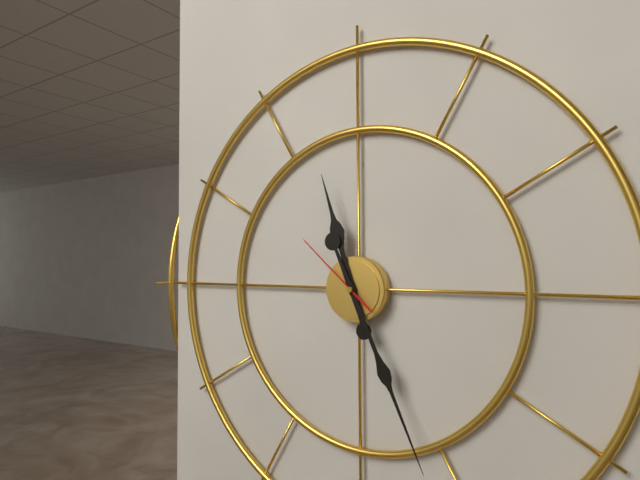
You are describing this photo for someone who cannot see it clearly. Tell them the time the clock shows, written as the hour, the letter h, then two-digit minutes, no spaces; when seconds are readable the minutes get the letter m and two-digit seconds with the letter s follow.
11h26m52s
